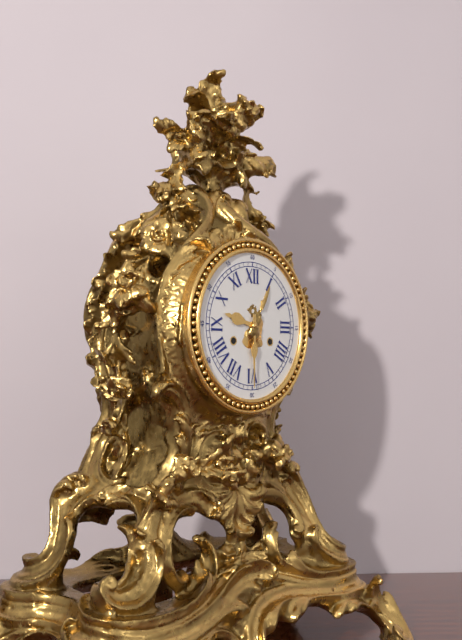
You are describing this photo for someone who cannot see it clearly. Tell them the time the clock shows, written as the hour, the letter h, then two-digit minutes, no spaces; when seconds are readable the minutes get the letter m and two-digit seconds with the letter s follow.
9h30
